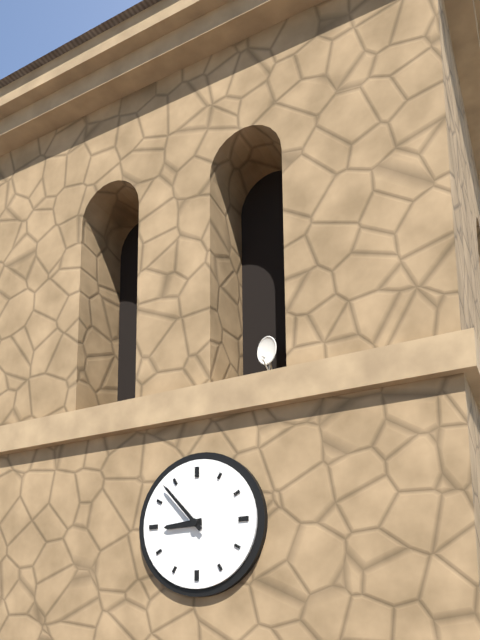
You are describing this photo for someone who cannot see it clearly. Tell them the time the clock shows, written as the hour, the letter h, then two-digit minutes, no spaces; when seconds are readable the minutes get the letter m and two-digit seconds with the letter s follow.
8h53
